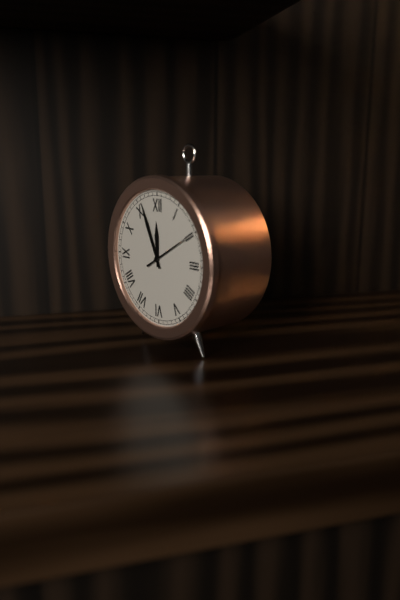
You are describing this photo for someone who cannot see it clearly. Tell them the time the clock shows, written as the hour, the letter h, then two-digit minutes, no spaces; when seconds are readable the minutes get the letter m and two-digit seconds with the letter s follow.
11h56
